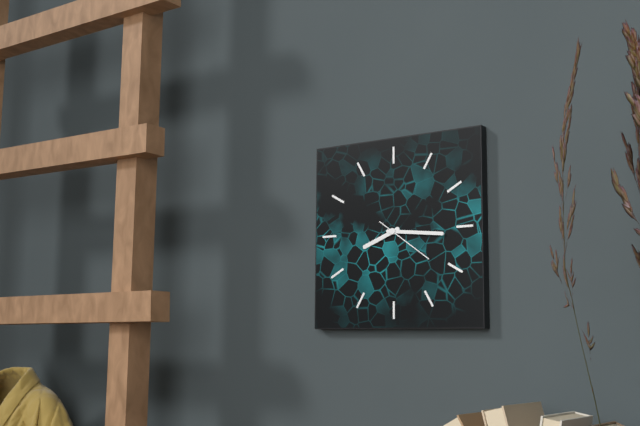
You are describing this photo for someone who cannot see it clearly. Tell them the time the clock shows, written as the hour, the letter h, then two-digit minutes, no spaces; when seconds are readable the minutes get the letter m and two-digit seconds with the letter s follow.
8h16m21s
